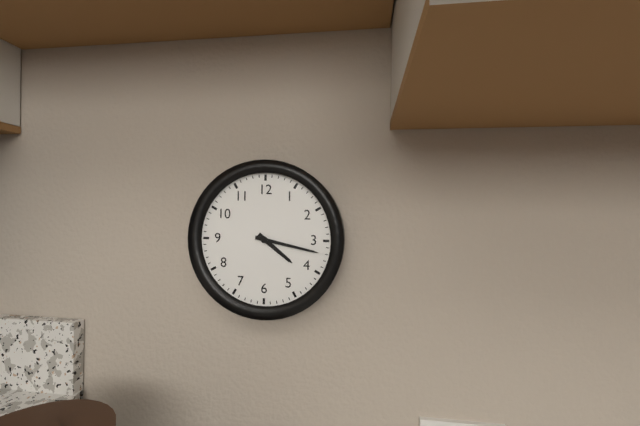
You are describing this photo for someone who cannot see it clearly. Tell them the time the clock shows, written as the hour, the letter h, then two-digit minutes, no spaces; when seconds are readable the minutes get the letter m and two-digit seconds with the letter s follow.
4h17
